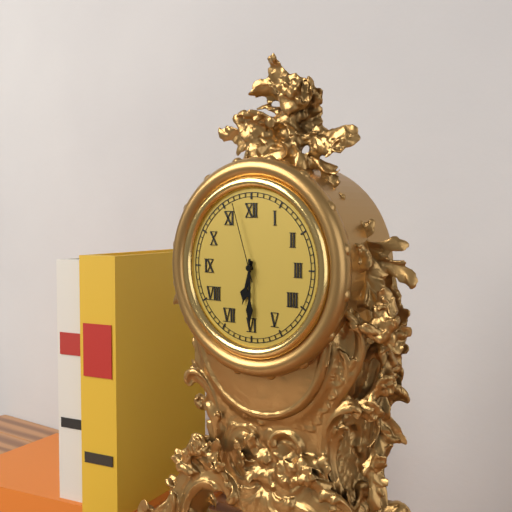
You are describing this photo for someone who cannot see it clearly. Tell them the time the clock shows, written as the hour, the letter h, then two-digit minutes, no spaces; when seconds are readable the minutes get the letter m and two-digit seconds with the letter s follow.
6h30m57s
